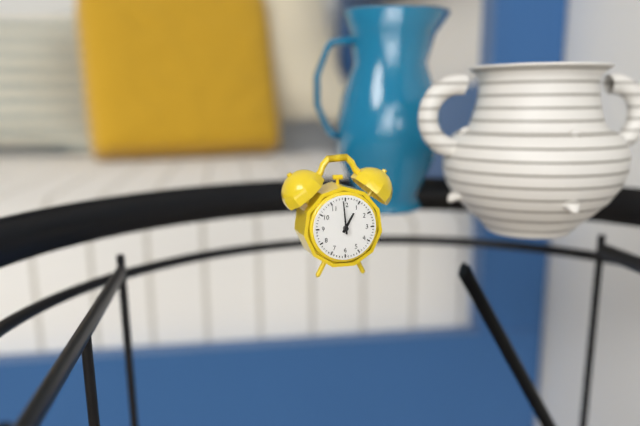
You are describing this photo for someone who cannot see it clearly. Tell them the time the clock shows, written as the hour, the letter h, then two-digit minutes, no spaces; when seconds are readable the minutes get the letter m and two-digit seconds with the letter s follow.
12h59
